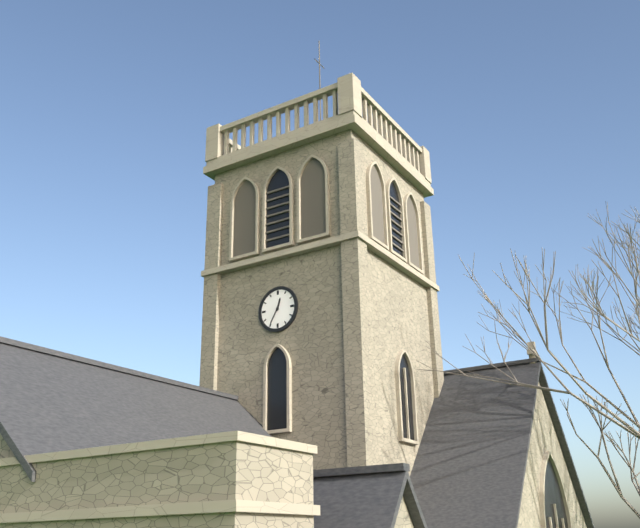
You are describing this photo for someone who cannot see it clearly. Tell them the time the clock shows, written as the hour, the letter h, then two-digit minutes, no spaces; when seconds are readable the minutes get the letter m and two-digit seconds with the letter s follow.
12h35
